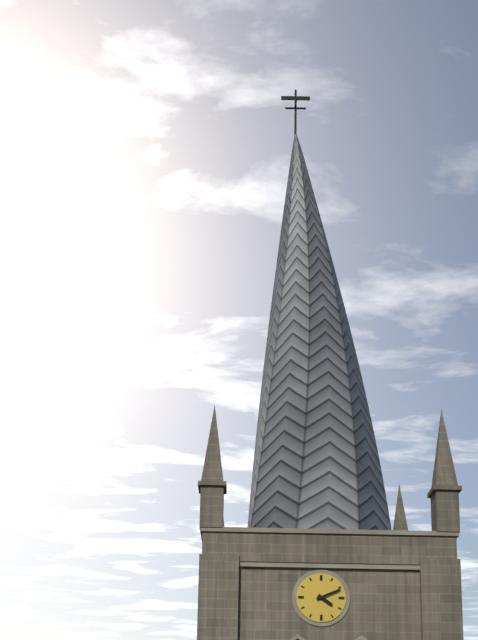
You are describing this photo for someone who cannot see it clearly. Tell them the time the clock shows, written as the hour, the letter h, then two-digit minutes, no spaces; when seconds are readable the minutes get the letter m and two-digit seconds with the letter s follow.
4h11
